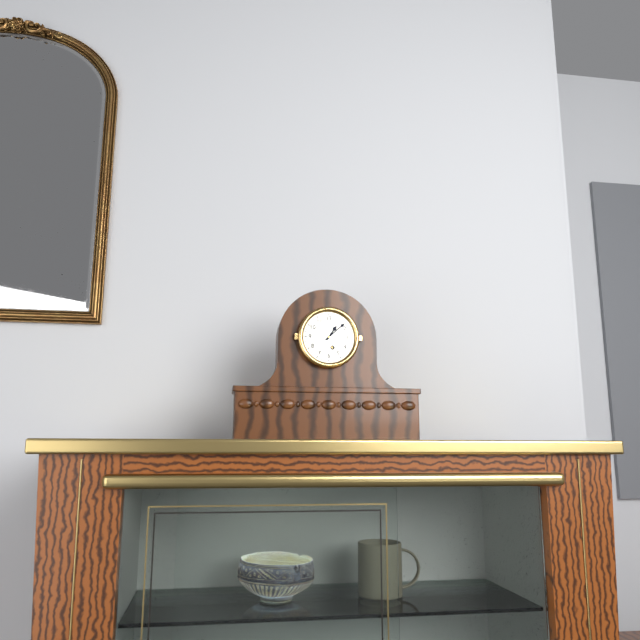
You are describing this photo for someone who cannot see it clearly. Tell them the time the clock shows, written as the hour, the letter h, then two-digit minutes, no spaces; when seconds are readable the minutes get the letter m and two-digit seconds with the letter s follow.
1h08
